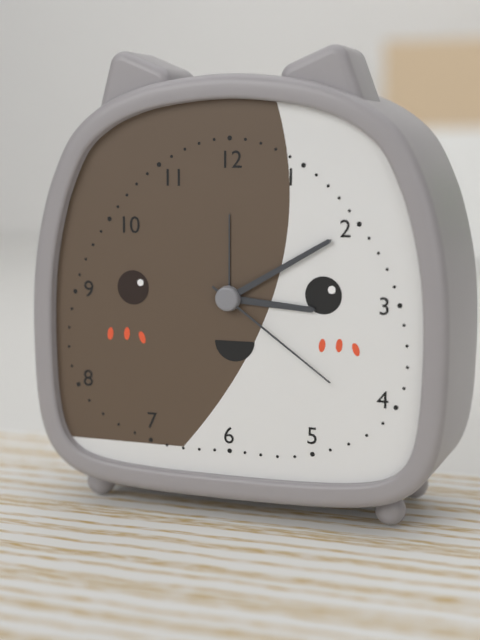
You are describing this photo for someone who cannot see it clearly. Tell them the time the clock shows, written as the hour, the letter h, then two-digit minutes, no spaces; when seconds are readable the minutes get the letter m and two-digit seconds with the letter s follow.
3h10m21s
